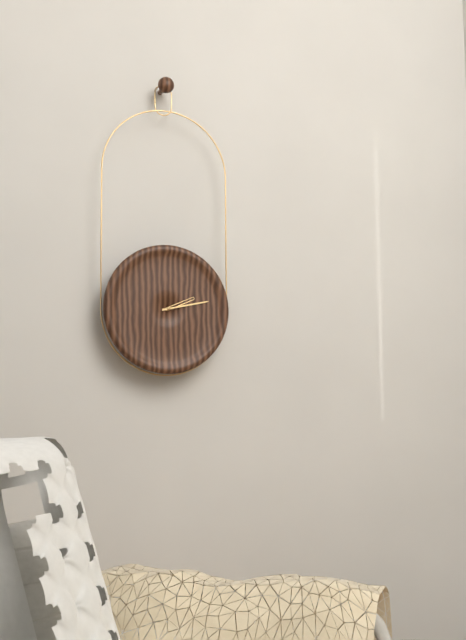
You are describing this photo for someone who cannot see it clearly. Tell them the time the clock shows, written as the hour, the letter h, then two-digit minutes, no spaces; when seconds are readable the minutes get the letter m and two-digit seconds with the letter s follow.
2h13
